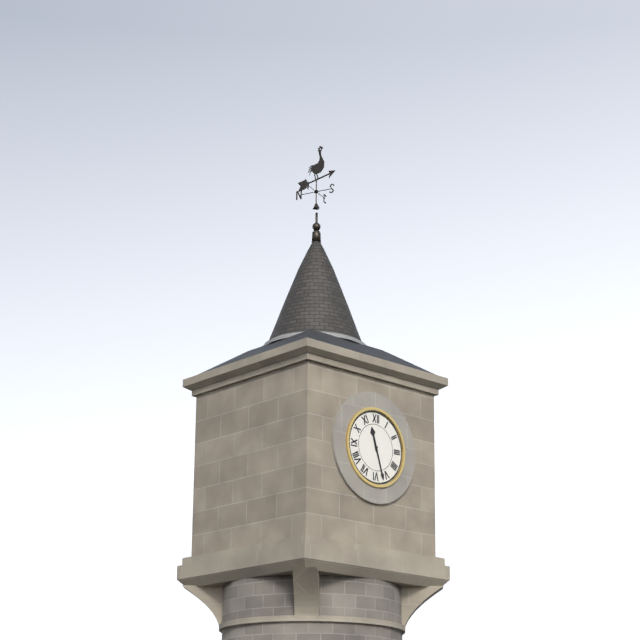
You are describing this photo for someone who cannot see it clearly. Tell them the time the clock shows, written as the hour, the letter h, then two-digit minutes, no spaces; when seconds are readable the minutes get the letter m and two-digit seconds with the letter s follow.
11h27
